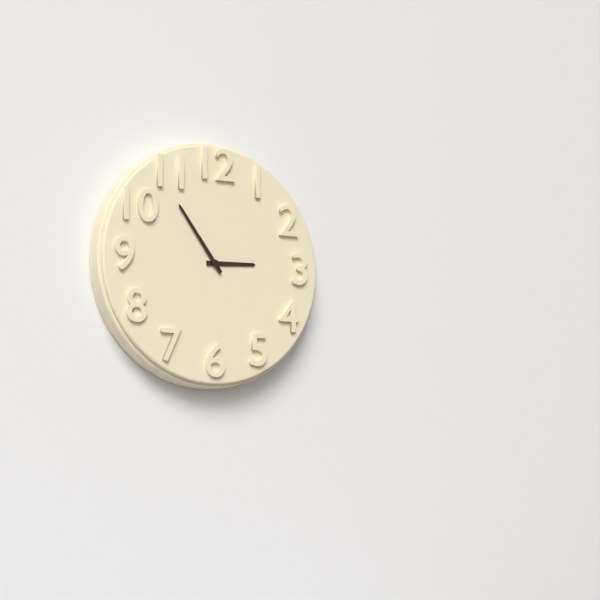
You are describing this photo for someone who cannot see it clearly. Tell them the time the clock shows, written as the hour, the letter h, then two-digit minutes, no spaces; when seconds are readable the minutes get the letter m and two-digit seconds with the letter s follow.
2h54
